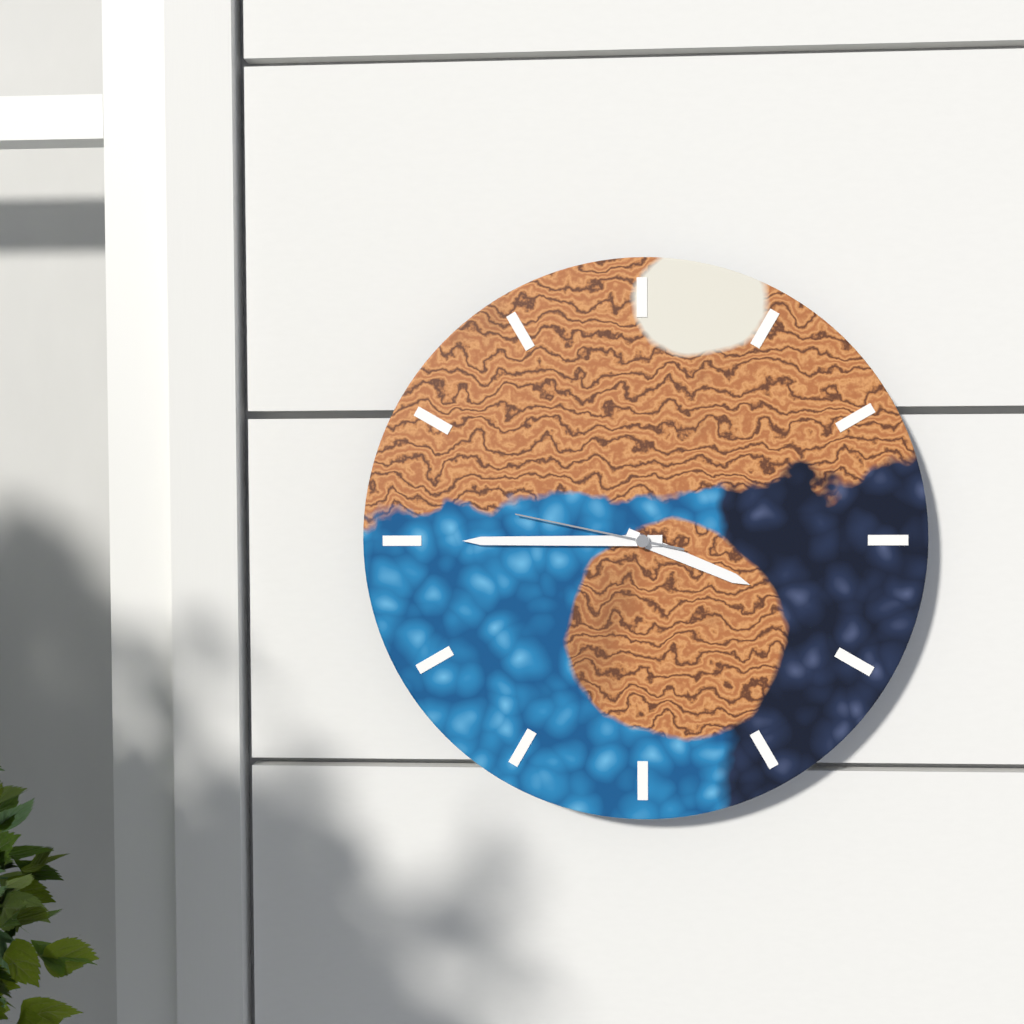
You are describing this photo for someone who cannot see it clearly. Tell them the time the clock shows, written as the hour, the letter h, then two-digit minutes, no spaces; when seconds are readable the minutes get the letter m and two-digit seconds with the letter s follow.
3h45m47s
